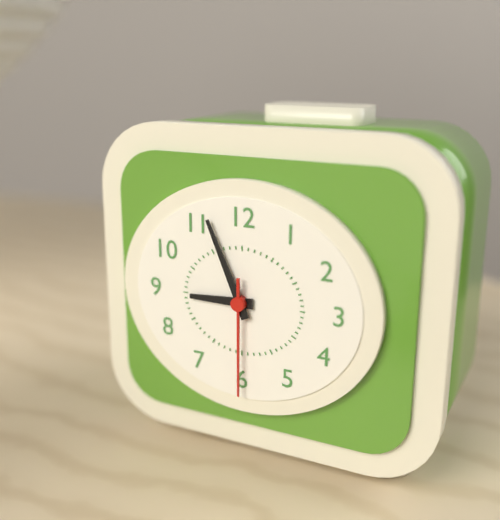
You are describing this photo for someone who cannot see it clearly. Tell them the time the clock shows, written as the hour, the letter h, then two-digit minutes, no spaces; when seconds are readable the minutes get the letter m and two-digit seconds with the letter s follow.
8h56m30s
